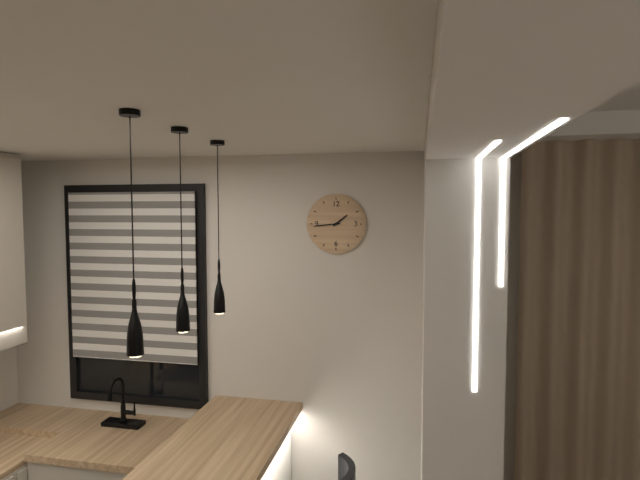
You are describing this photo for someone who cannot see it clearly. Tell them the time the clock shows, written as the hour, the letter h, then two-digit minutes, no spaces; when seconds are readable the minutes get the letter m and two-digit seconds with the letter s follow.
1h44
